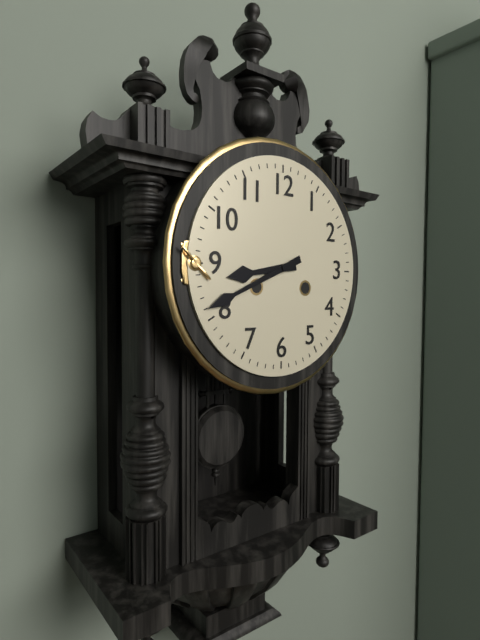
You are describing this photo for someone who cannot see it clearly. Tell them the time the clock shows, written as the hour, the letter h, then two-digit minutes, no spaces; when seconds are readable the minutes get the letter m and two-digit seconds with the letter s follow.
8h41
